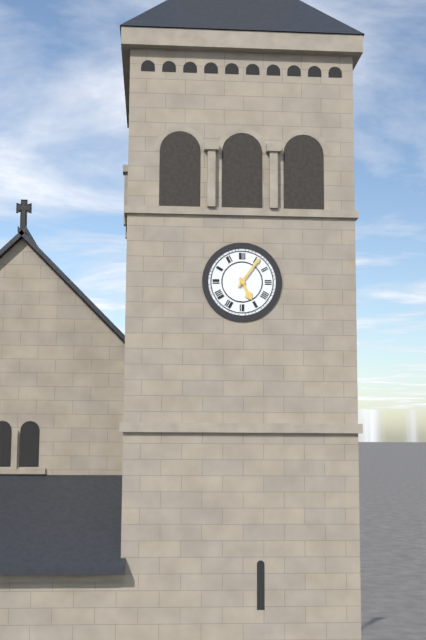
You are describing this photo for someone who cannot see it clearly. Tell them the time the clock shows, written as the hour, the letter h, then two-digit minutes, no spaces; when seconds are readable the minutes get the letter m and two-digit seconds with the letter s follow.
5h06
